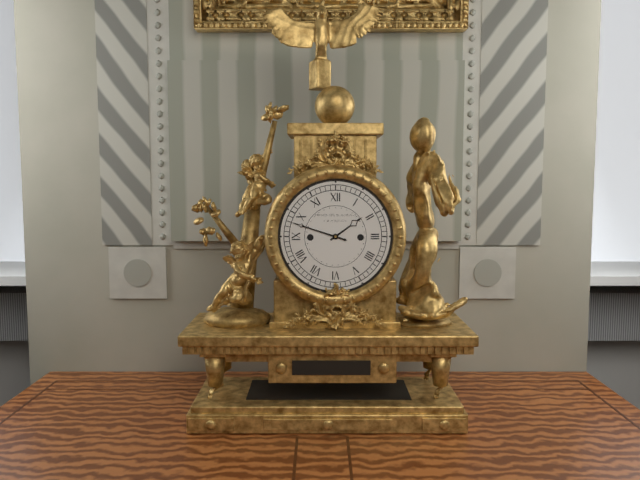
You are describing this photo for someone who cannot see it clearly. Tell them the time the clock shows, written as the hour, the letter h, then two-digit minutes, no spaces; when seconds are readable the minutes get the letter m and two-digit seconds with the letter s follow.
1h48
